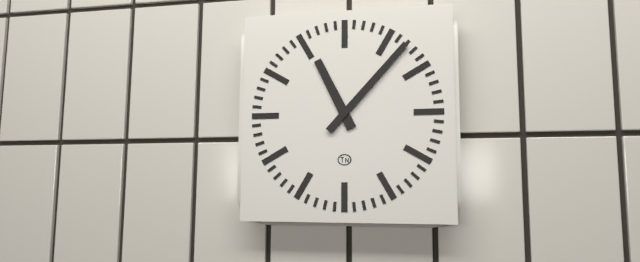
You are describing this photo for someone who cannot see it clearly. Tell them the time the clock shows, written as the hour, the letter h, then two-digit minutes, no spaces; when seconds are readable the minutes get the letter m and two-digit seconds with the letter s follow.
11h07
